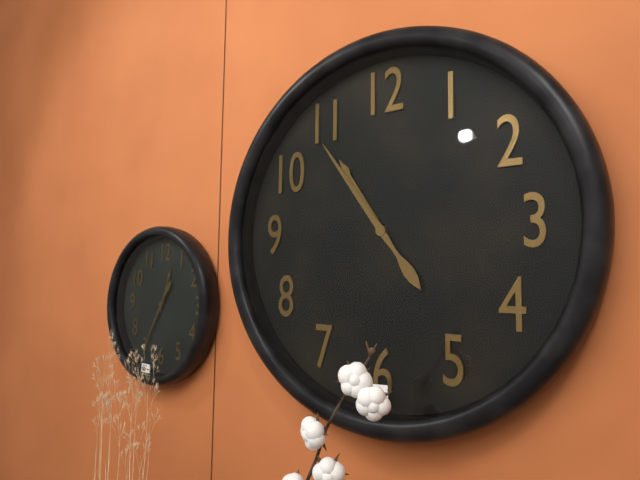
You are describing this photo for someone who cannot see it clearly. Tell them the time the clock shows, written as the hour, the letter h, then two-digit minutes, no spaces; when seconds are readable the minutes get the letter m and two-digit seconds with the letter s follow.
10h54
